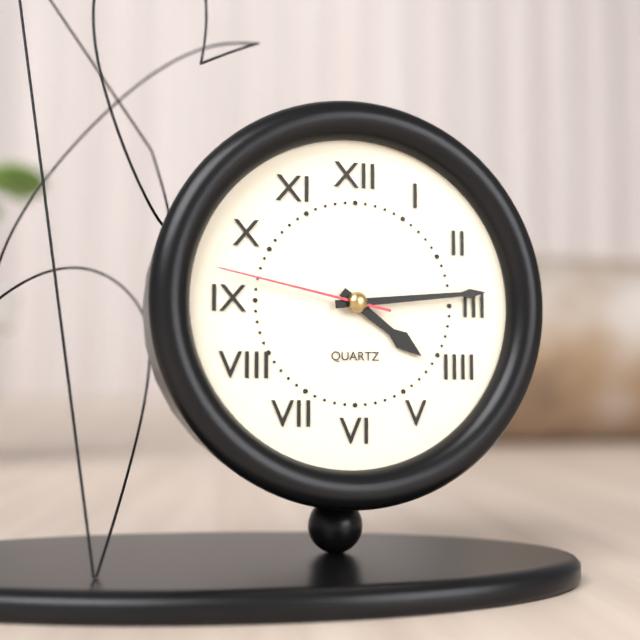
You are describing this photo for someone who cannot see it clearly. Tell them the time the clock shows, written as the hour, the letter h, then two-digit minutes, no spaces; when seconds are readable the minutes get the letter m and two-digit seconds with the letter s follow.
4h14m47s
